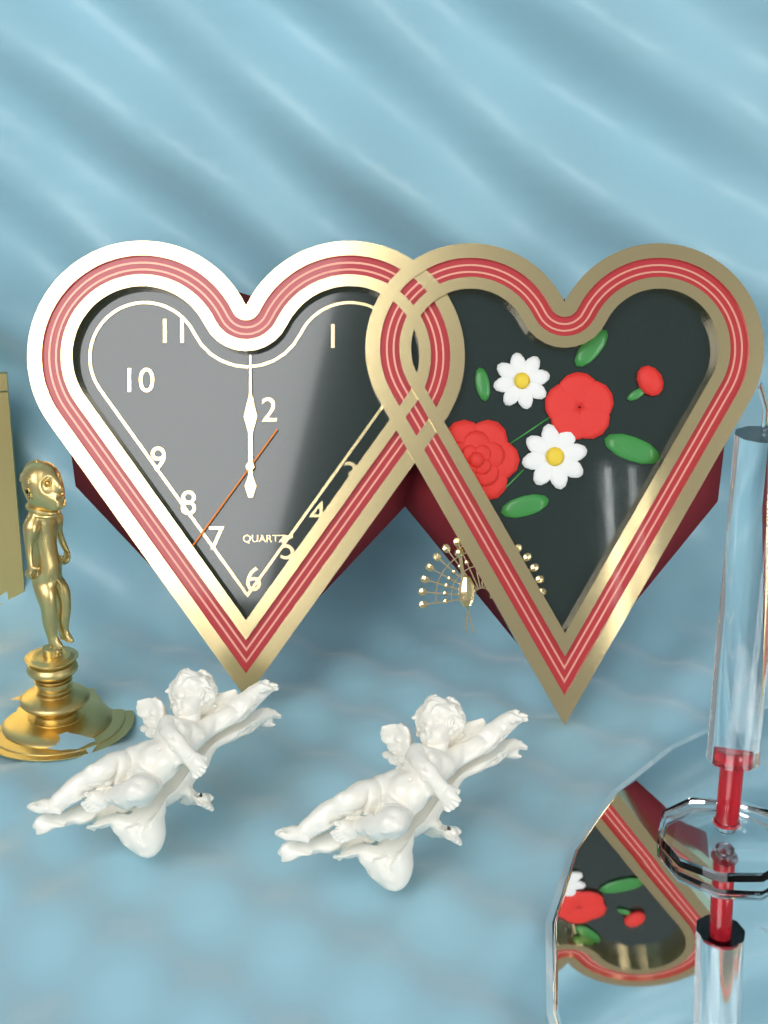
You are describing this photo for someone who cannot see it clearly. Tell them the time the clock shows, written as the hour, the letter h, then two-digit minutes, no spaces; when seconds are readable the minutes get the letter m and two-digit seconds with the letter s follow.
12h00m36s
